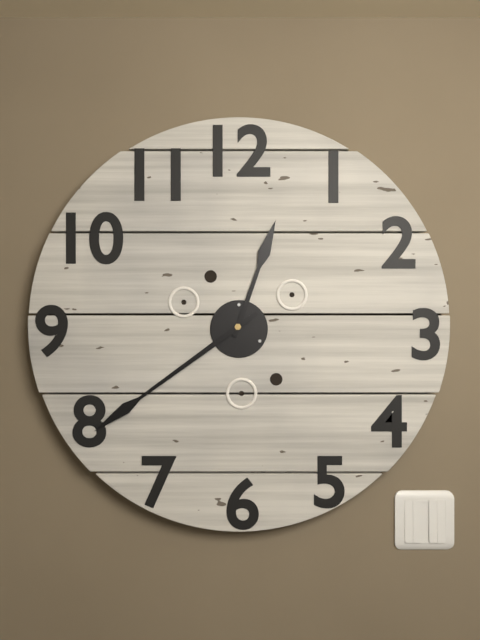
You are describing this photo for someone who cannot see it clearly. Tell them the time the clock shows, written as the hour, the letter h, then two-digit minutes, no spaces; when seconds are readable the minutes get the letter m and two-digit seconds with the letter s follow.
12h39
